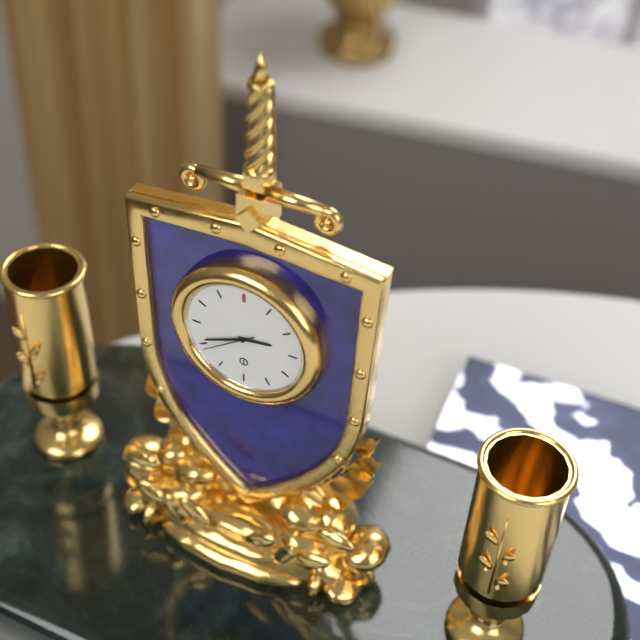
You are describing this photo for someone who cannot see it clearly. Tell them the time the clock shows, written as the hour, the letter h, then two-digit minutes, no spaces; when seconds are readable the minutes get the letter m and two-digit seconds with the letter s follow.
2h41m39s
